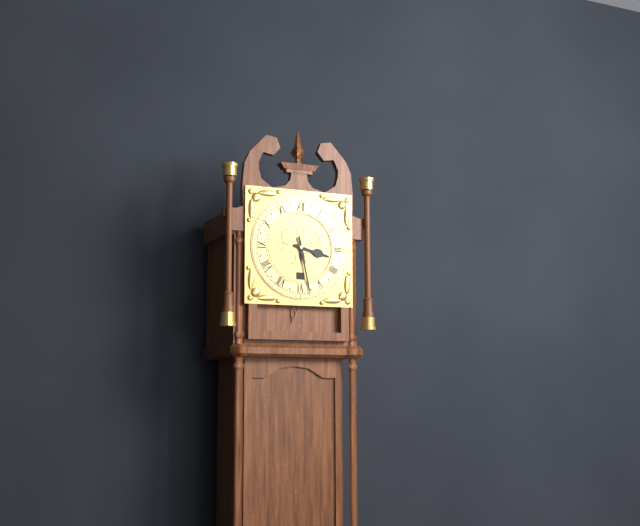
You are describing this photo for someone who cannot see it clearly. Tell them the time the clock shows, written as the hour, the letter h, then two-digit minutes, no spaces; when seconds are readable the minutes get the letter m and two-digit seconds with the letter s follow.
3h28
